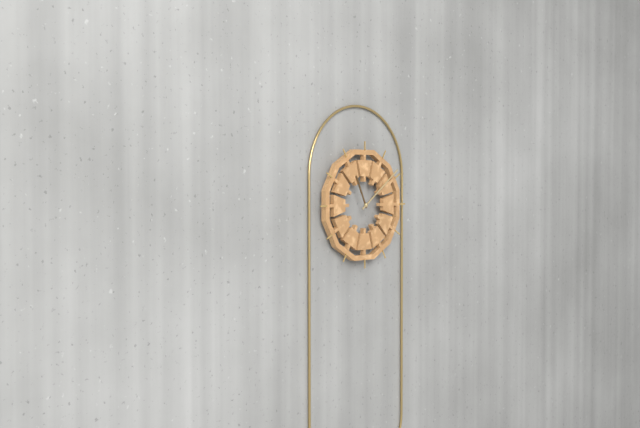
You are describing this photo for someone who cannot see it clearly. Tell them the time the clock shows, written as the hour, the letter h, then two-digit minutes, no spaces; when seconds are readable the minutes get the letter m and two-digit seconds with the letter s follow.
11h09
